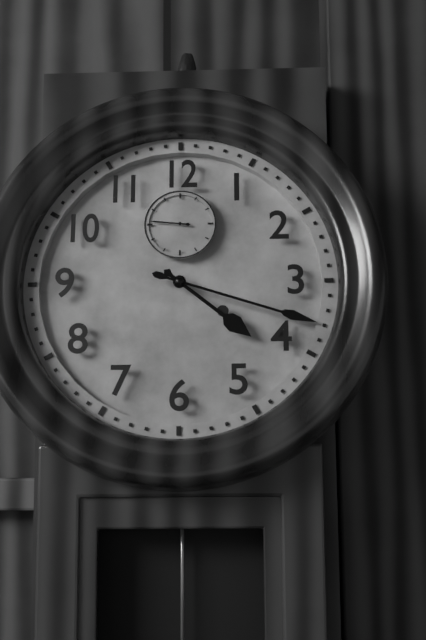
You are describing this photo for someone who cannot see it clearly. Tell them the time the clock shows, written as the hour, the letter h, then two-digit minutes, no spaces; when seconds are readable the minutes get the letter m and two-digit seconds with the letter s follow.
4h18
